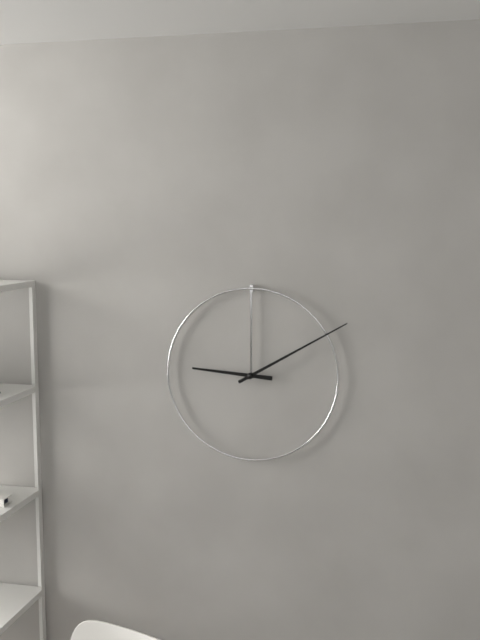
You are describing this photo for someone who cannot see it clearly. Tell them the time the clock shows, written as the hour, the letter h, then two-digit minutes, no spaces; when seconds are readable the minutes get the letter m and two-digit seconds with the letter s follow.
9h10
